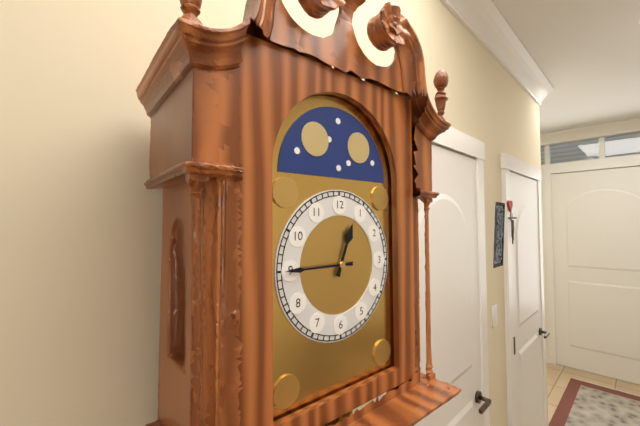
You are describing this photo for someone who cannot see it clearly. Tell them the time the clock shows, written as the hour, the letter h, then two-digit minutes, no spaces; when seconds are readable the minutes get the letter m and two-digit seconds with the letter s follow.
12h45
